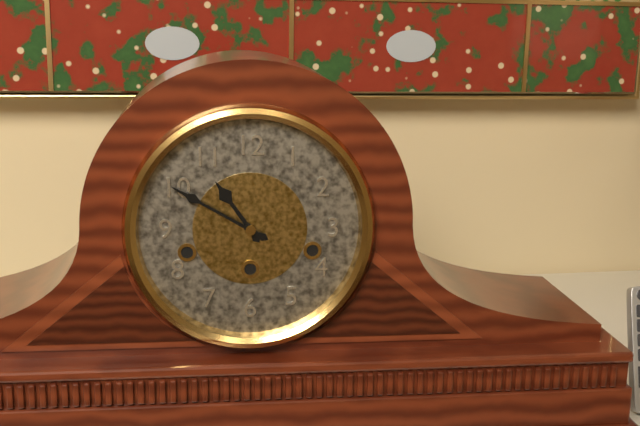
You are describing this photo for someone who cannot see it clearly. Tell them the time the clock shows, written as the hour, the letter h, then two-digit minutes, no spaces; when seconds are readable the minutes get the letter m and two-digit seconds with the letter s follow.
10h50
